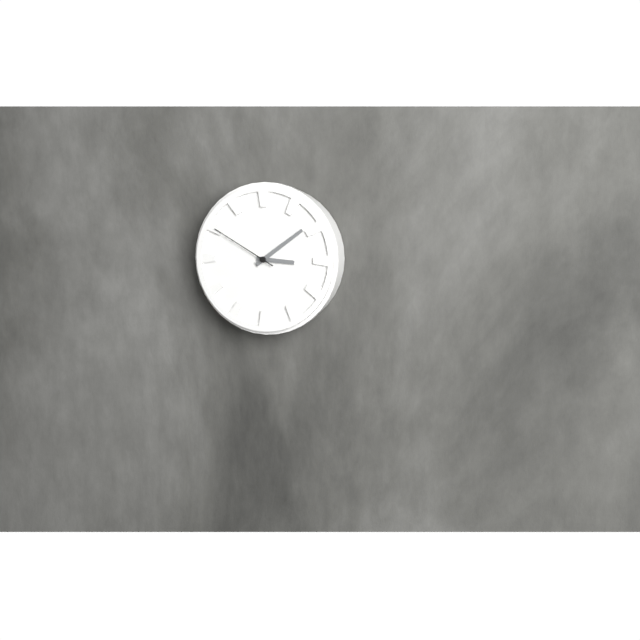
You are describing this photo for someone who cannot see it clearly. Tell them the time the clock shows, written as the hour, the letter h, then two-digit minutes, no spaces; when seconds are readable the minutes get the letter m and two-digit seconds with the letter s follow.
3h09m50s
